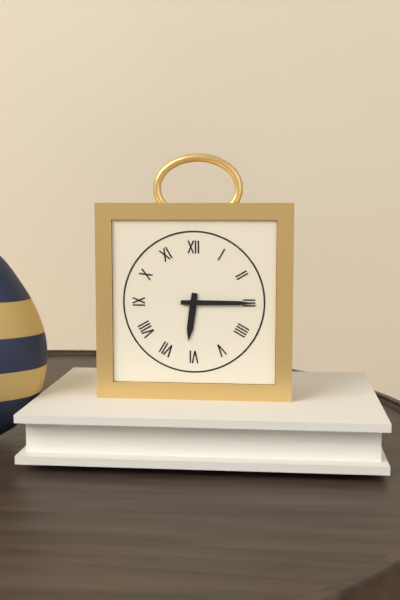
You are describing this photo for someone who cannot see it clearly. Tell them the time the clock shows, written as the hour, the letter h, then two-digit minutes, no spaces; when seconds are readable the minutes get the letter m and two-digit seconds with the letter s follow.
6h15
